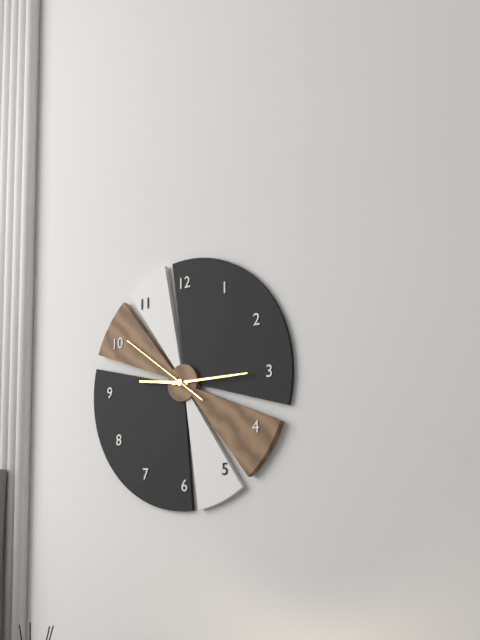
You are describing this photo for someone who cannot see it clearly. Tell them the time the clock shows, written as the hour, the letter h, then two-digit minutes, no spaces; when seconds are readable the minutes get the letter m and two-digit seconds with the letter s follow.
9h15m51s
